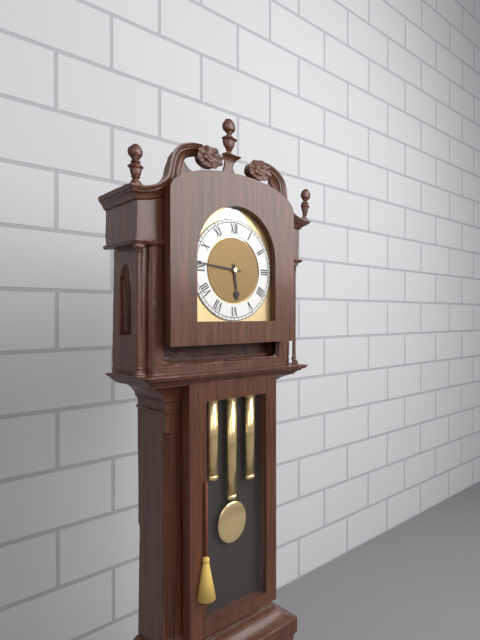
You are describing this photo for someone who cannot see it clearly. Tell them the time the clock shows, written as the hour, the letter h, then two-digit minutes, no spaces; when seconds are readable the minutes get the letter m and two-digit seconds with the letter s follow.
5h46
